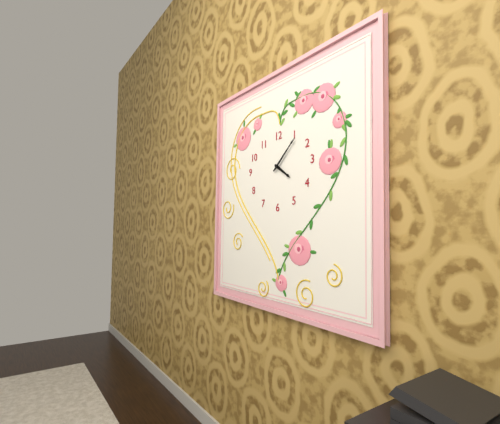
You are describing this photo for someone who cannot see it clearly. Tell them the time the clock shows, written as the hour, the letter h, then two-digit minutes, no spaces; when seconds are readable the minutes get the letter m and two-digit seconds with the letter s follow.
4h08
